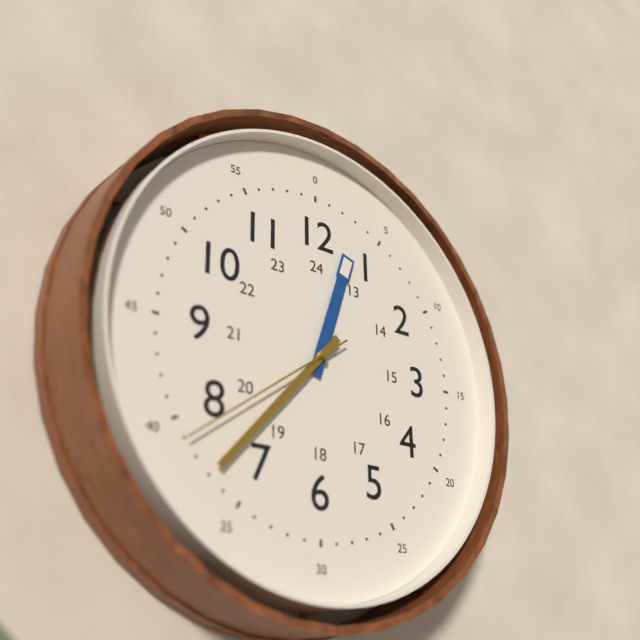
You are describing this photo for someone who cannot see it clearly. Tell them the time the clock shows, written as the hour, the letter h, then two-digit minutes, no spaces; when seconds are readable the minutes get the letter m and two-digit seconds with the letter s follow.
12h37m39s
